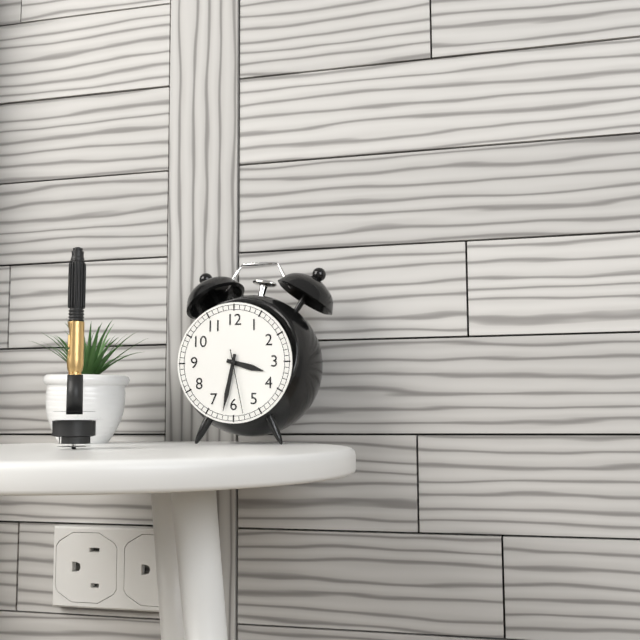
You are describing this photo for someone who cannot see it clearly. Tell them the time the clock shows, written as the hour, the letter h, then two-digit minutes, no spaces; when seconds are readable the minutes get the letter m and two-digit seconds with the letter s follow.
3h32m28s
